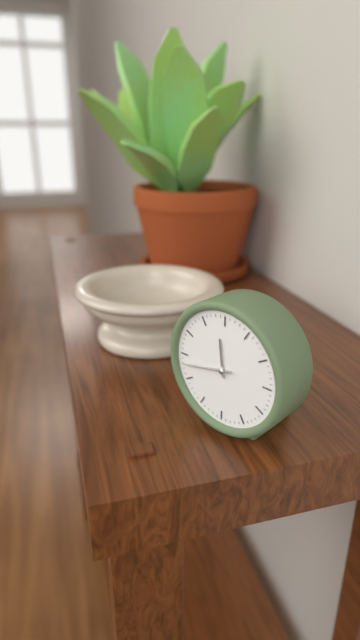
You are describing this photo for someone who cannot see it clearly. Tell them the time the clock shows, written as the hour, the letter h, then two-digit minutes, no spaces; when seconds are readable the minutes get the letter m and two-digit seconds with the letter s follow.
11h43
